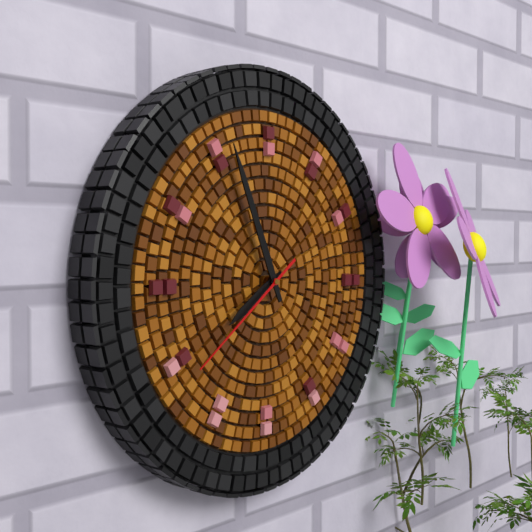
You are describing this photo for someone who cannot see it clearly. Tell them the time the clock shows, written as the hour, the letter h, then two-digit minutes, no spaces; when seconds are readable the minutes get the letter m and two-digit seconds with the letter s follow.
7h56m39s
